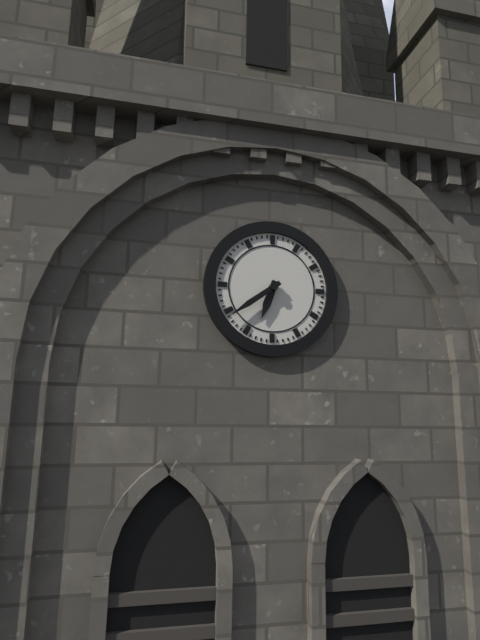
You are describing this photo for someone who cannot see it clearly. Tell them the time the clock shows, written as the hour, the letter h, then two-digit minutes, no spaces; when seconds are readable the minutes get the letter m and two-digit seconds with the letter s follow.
6h39
